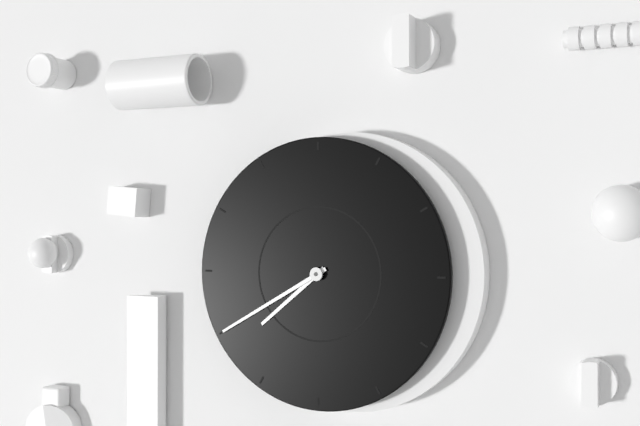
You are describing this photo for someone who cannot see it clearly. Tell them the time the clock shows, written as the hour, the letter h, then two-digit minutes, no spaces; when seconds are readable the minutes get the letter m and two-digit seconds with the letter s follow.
7h40
